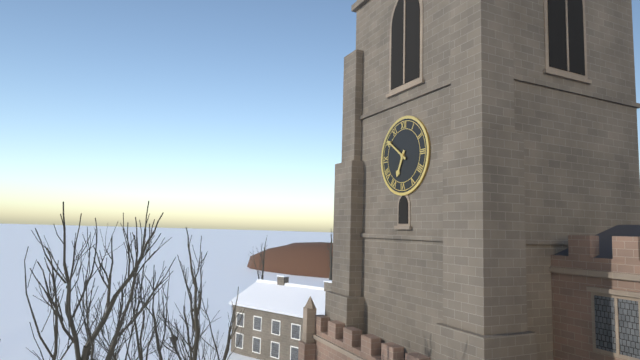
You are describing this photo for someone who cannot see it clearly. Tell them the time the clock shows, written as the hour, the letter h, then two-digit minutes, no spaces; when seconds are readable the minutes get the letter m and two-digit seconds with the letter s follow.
6h51
